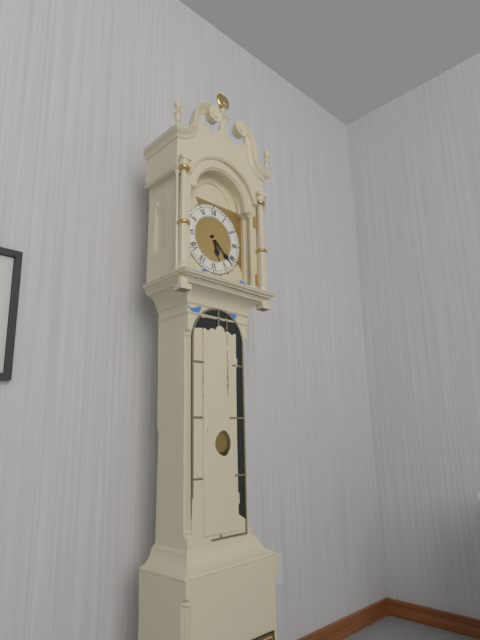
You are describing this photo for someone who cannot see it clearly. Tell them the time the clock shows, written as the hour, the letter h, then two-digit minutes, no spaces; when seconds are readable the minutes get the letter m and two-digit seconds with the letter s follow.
5h22
